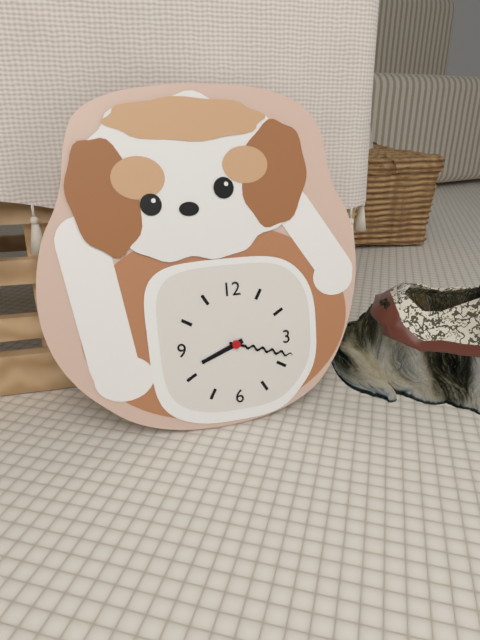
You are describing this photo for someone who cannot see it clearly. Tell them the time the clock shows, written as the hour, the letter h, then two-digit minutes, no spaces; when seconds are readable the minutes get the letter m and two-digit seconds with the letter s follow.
8h18
